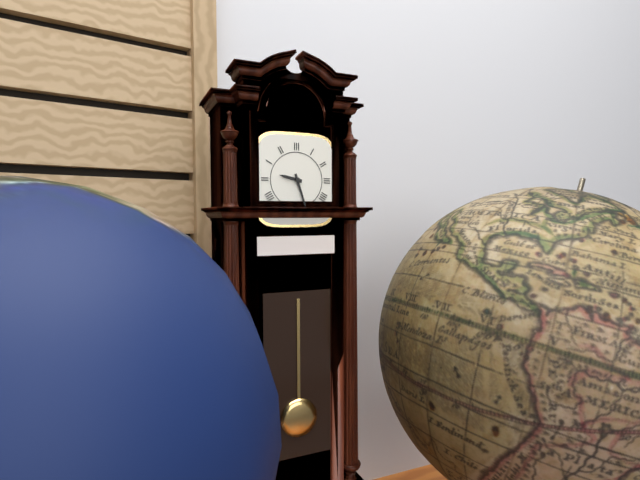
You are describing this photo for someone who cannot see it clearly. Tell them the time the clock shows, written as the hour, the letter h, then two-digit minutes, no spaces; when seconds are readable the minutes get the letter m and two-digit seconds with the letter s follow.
9h27
